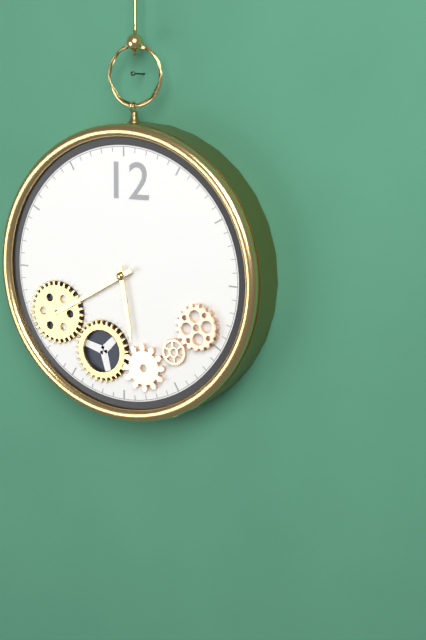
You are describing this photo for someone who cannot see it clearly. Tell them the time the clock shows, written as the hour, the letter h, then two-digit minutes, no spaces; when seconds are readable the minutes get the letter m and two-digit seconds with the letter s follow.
5h40
